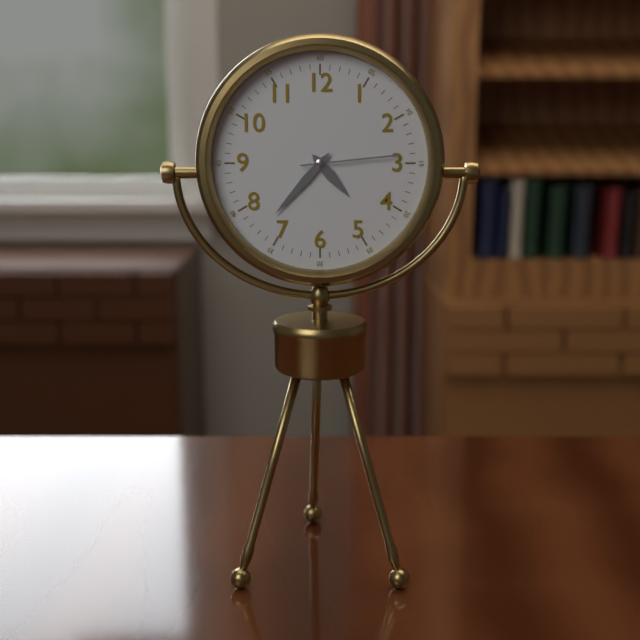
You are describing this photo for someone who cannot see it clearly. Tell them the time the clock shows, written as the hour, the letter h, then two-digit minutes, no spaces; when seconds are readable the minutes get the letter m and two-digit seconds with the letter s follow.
4h37m14s
